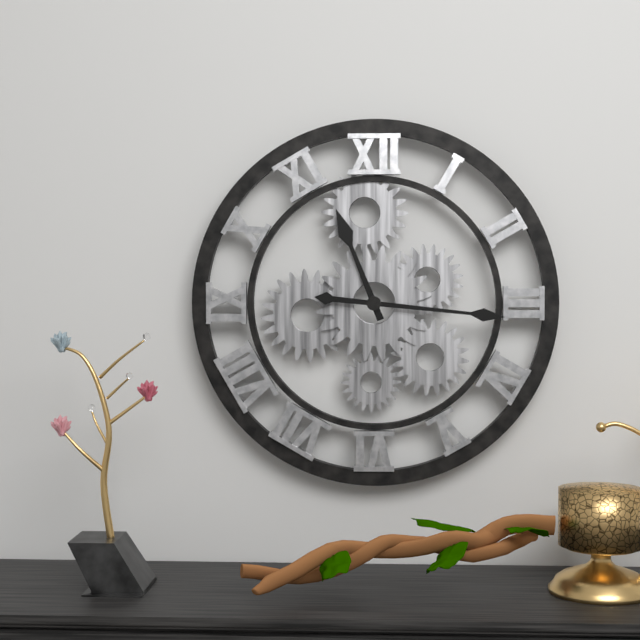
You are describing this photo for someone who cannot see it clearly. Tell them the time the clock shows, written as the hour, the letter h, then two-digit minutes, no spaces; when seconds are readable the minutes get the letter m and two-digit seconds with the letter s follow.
11h16
